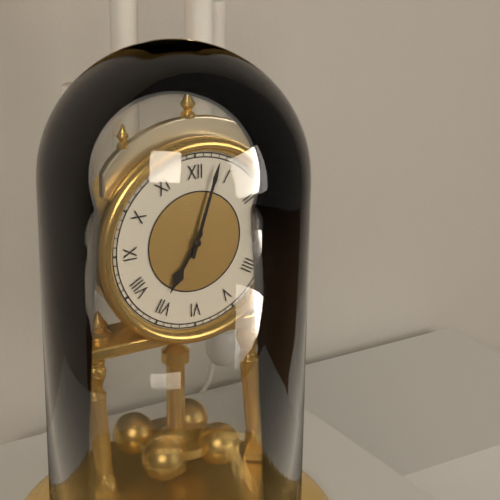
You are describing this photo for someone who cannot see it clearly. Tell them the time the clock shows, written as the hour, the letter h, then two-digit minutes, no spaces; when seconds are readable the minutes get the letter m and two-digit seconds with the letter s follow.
7h03
